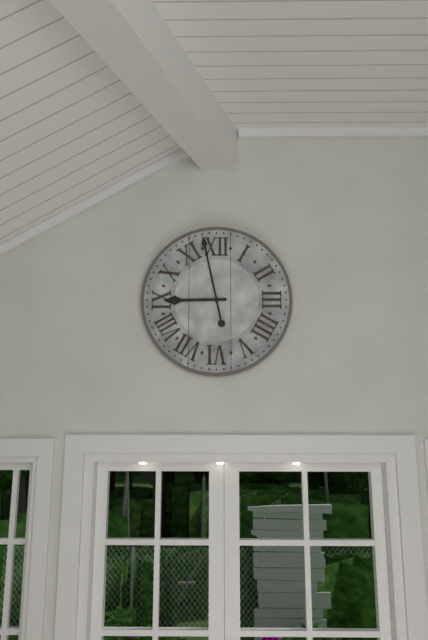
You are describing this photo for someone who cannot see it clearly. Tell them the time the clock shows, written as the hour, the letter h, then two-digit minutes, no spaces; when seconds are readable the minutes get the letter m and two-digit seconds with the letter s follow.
8h58
